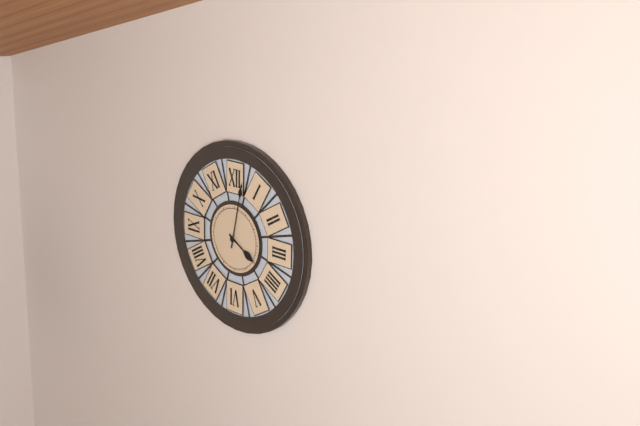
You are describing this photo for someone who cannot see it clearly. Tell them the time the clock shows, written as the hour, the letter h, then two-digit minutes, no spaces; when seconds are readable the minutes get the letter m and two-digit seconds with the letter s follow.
4h02
